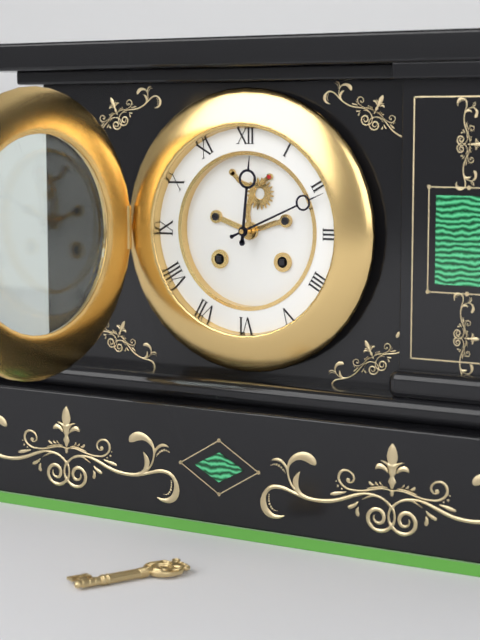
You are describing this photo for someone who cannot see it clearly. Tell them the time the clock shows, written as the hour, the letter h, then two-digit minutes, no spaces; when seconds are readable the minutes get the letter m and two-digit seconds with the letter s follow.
12h11
